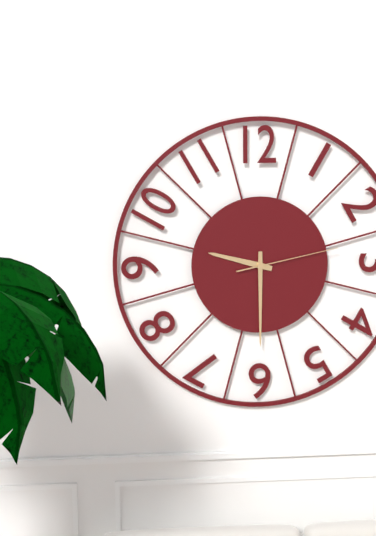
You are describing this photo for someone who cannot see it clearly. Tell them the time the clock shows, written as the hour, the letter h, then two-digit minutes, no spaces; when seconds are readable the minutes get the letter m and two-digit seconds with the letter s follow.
9h30m13s
